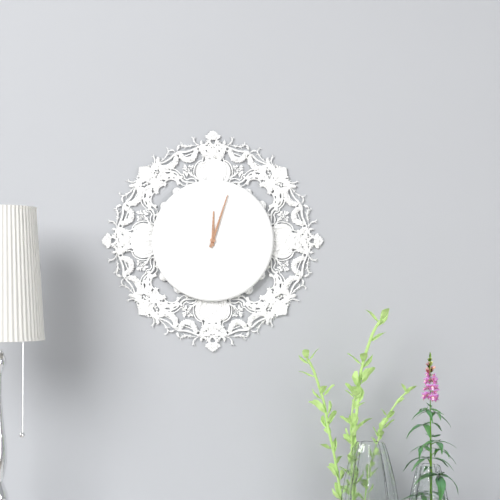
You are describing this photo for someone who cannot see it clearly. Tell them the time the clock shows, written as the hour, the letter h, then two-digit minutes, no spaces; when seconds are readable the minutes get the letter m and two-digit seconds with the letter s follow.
12h03
